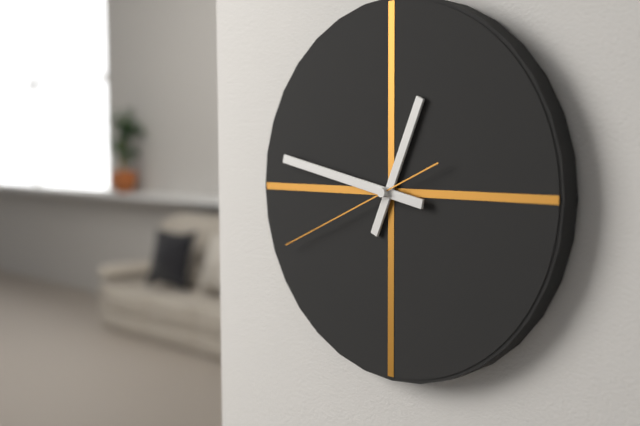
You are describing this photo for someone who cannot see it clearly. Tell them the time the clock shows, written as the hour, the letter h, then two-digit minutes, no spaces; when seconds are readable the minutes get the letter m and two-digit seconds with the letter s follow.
12h47m41s
